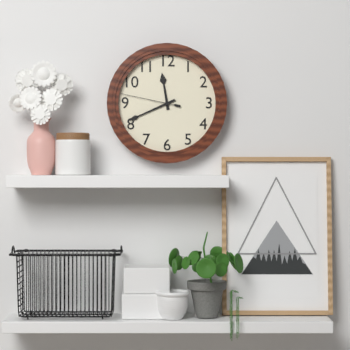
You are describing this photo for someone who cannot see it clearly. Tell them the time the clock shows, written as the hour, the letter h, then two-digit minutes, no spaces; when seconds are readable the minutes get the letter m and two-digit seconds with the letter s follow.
11h41m47s
